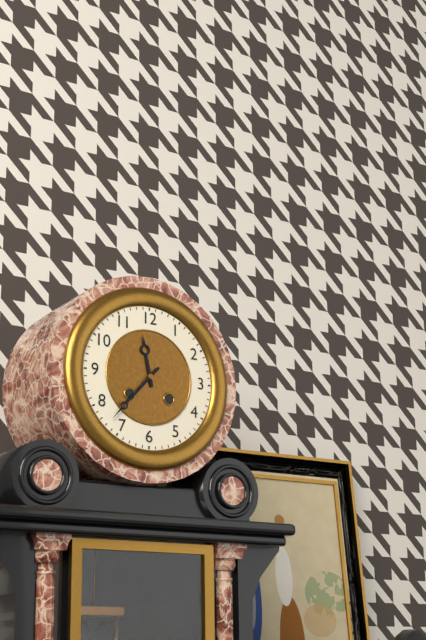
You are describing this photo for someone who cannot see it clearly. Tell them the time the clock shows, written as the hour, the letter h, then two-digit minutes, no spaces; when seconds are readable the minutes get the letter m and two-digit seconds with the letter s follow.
11h37
